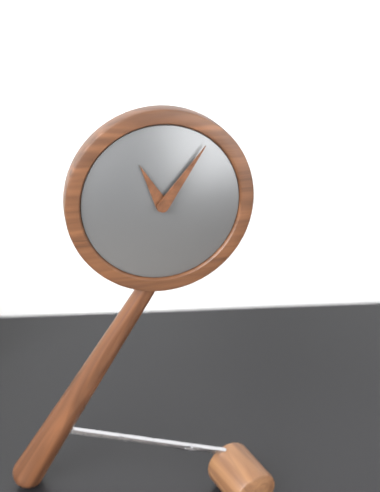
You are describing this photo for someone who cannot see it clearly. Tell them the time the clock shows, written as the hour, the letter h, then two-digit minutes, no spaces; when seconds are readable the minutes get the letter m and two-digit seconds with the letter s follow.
11h06
